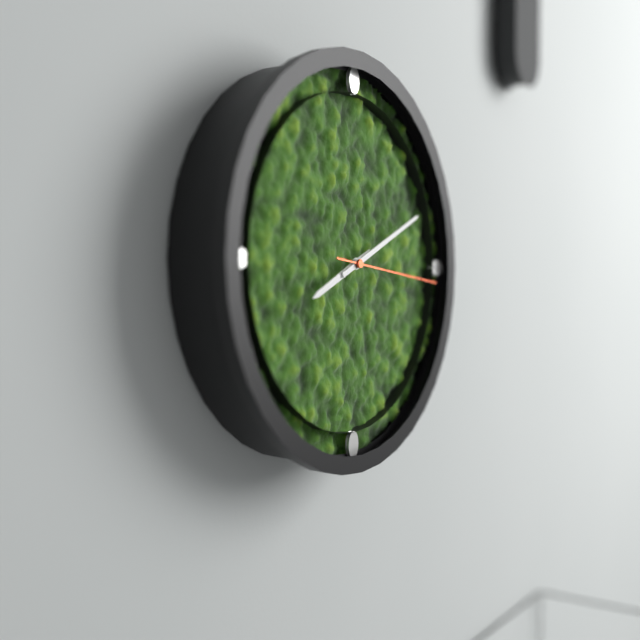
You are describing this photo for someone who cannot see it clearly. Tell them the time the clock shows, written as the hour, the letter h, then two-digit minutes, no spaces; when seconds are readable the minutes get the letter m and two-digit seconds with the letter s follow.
8h11m16s
